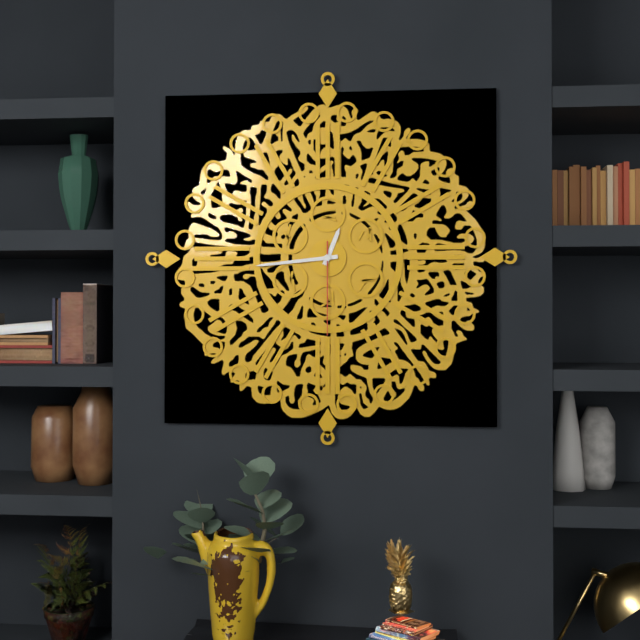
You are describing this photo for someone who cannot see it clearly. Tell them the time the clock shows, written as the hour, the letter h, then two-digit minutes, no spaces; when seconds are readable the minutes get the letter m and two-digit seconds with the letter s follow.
12h44m30s
